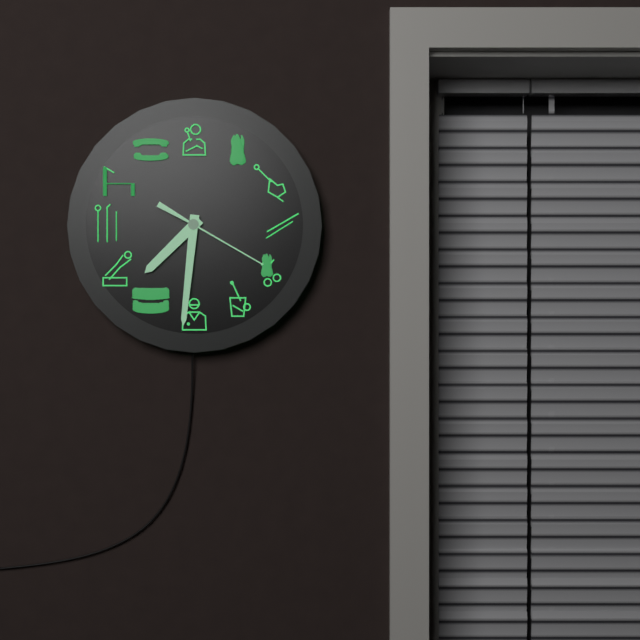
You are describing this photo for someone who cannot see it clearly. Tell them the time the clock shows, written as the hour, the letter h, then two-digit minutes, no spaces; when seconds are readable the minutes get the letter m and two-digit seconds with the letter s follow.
7h31m20s
